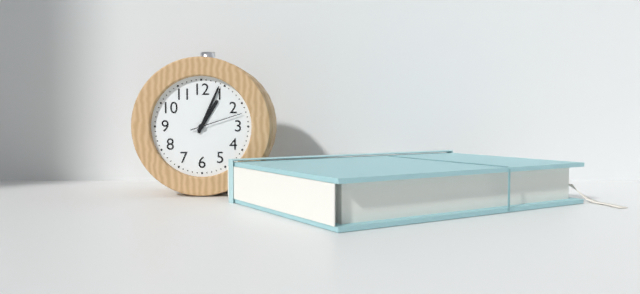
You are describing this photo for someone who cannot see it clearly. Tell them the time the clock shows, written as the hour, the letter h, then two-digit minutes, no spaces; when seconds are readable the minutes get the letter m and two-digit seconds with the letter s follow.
1h04m12s
